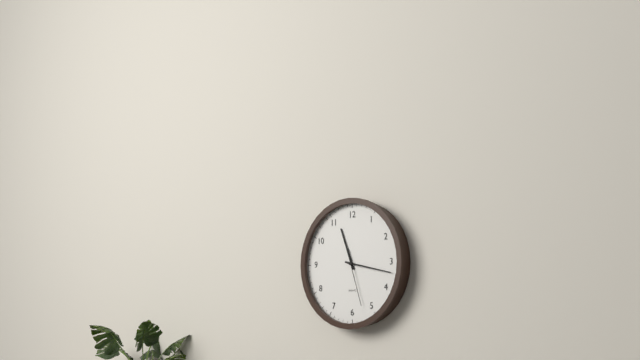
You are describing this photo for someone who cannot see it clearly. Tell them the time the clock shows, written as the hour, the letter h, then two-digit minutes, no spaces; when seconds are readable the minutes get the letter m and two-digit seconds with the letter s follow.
11h17m27s
